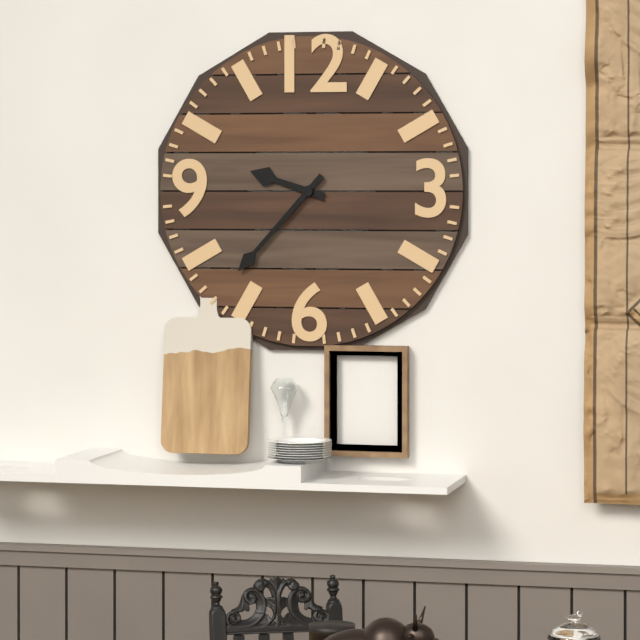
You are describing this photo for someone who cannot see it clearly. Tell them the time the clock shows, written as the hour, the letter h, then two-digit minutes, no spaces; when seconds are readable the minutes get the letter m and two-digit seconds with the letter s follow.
9h37
